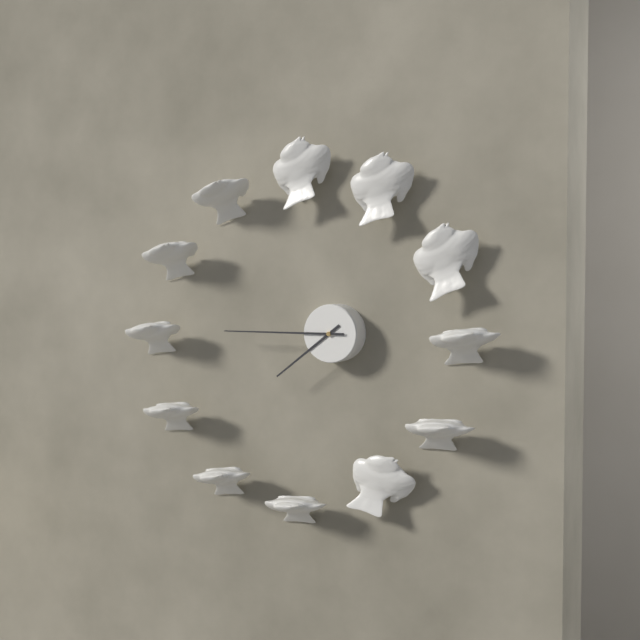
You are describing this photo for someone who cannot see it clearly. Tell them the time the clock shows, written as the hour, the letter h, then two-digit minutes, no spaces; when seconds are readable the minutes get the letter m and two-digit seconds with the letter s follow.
7h45
